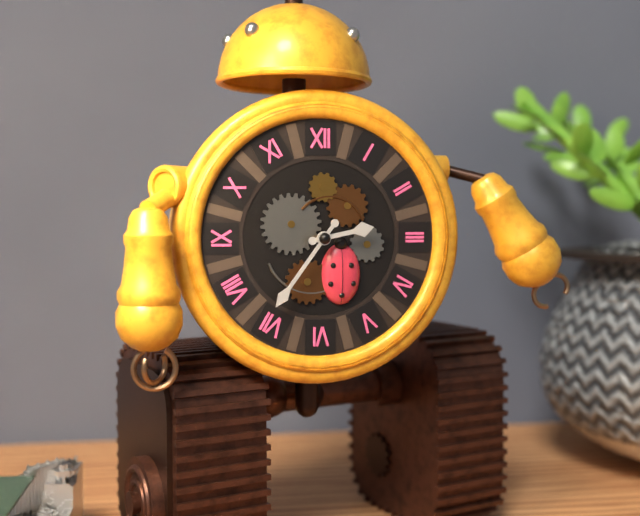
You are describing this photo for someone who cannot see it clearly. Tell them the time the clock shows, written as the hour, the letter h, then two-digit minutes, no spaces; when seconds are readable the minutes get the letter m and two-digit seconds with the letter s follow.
2h36
